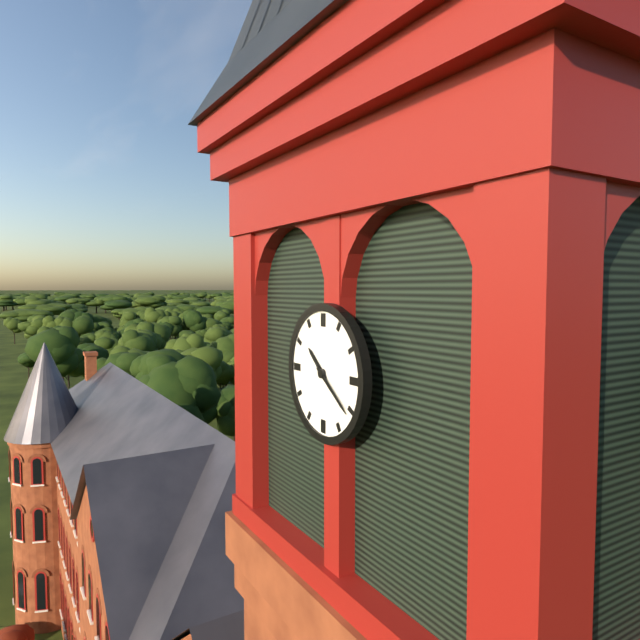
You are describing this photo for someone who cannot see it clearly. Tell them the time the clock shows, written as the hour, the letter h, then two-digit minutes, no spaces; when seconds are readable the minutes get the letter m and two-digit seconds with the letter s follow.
10h21
